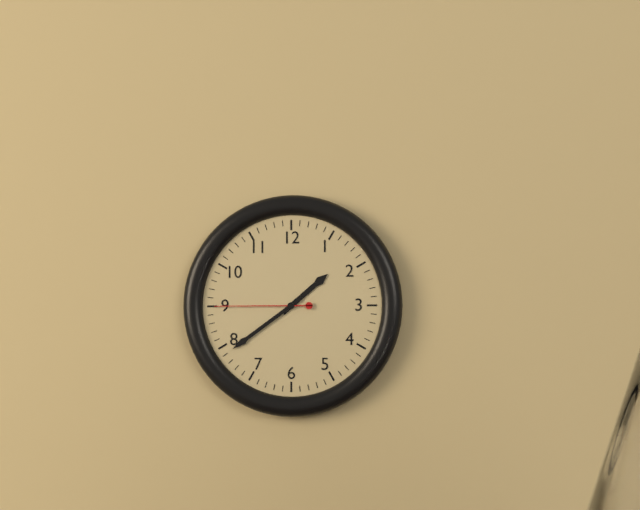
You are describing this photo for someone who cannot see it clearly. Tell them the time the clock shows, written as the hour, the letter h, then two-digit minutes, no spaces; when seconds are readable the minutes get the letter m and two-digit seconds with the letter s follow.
1h39m45s
